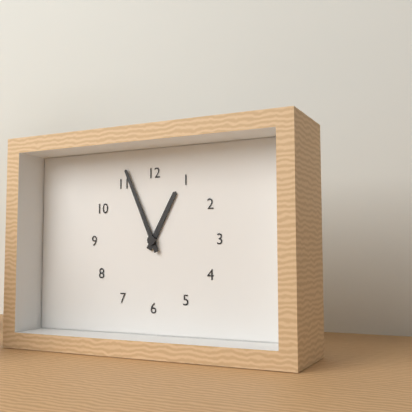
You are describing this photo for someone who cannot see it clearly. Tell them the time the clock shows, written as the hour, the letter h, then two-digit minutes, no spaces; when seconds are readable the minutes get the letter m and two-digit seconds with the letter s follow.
12h56
